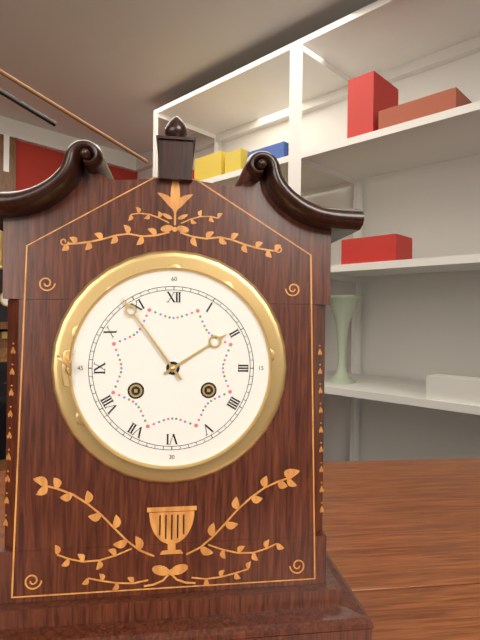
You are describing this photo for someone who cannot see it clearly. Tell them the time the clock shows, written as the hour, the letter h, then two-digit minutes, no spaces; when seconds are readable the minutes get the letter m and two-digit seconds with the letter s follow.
1h54
